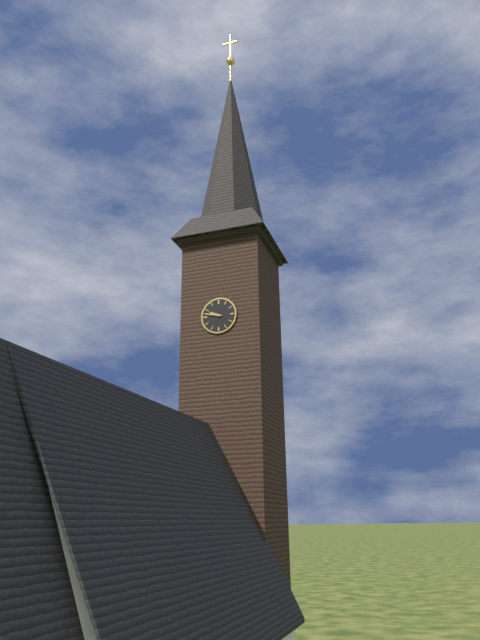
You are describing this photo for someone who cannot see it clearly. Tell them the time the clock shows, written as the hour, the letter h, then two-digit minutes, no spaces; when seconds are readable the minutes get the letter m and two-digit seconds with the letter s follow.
9h47
